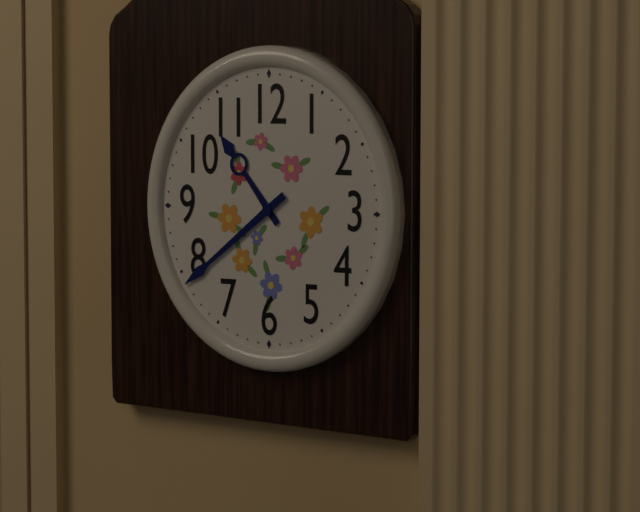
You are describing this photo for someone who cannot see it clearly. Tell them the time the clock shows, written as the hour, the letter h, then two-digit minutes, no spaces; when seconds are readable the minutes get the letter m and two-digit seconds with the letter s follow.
10h39
